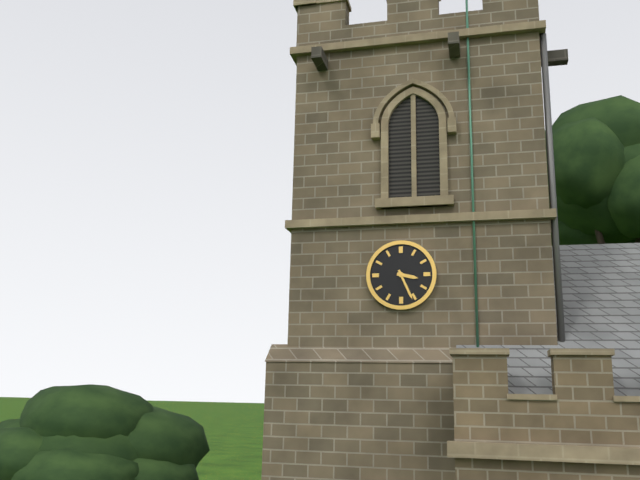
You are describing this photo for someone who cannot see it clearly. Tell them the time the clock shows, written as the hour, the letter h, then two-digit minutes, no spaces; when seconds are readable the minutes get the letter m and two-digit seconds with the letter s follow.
3h26
